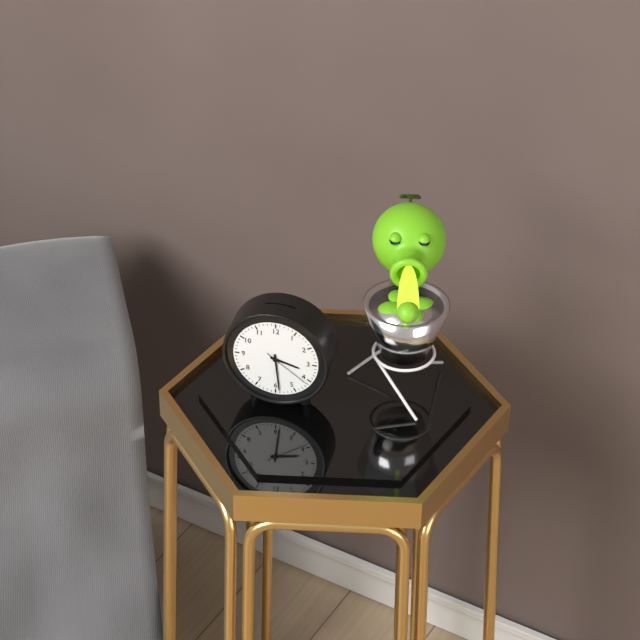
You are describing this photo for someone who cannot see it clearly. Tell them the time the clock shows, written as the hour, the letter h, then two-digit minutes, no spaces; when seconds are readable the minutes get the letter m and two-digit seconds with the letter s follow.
3h29m21s
